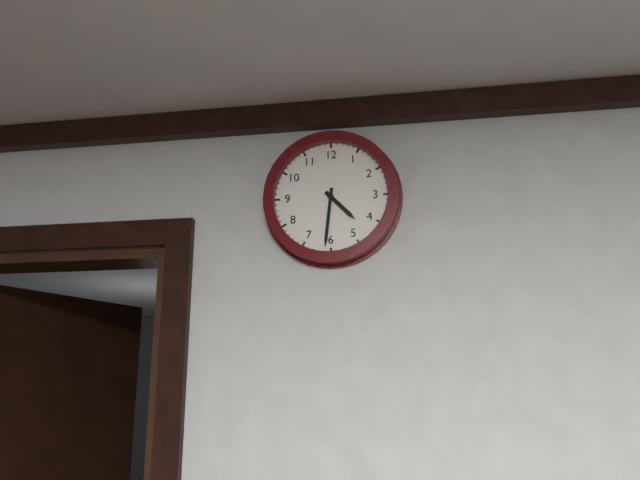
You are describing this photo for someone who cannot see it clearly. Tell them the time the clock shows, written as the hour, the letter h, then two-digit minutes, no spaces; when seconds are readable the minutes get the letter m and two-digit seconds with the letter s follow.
4h31
